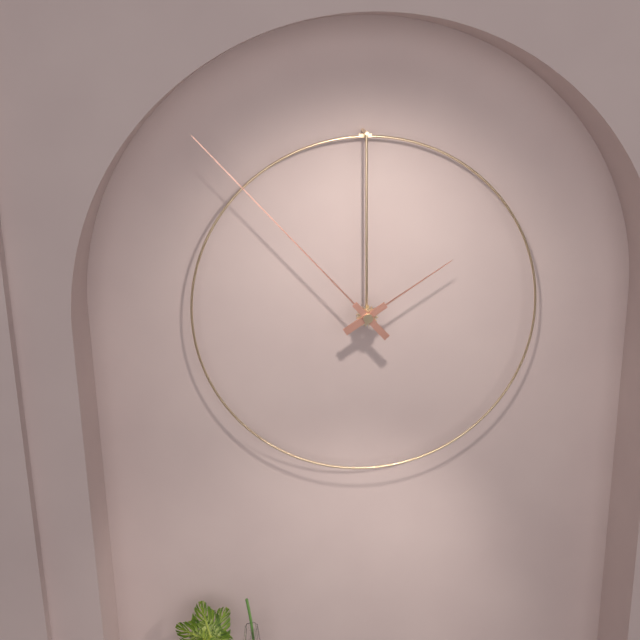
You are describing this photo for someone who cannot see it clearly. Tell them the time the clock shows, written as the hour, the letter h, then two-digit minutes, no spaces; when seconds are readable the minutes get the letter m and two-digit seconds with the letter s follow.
1h53
